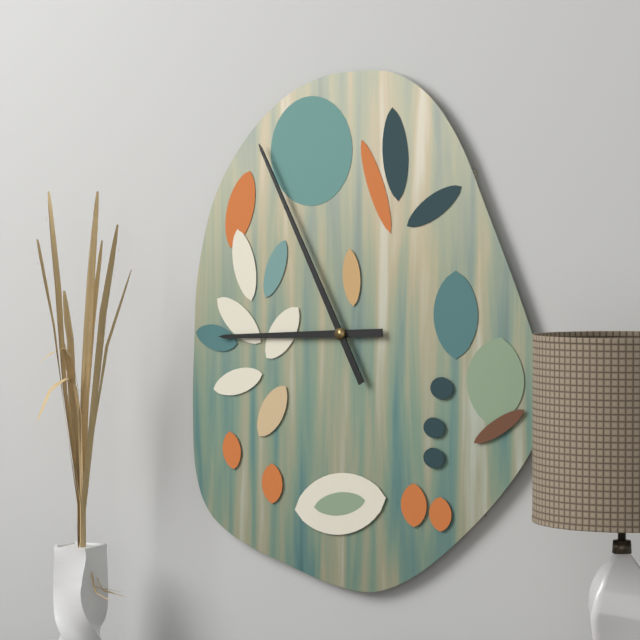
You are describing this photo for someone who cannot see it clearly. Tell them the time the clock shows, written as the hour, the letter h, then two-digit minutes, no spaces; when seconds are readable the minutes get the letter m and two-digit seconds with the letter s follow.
8h55
